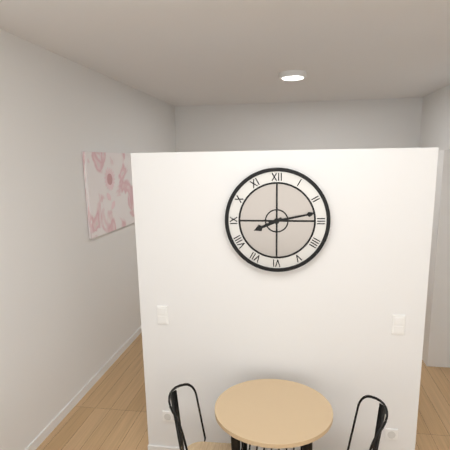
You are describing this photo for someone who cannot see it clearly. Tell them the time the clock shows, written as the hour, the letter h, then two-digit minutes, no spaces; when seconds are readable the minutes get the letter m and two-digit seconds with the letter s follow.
8h13
